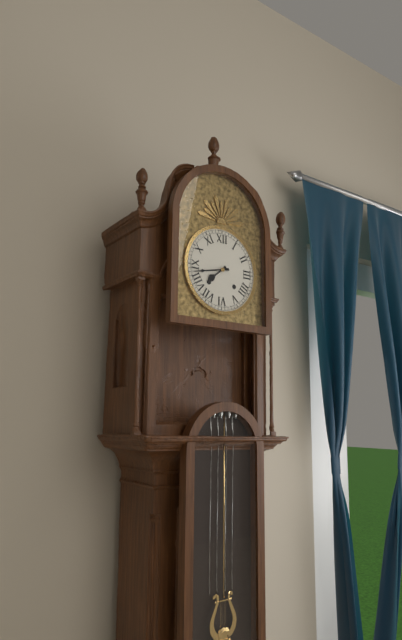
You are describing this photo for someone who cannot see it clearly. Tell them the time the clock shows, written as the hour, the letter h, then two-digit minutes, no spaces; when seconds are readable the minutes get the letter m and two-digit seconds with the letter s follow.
7h43
